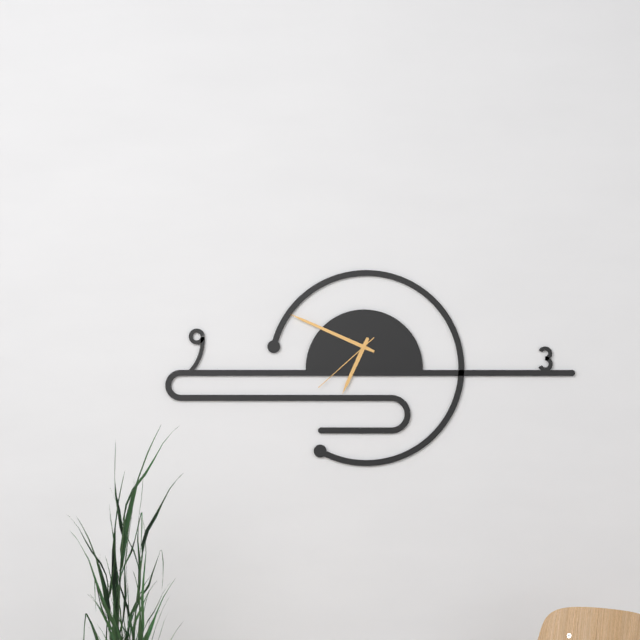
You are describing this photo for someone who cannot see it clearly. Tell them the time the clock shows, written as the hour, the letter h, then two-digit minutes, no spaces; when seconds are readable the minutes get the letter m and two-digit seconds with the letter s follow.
6h49m38s
